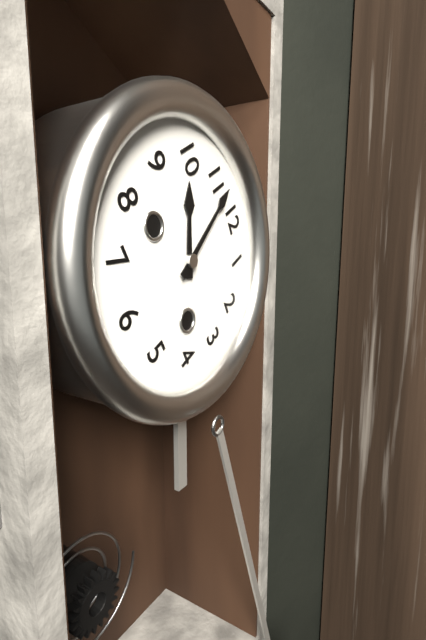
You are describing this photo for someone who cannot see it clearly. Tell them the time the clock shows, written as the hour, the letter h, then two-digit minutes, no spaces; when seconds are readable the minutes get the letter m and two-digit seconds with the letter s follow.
9h57
